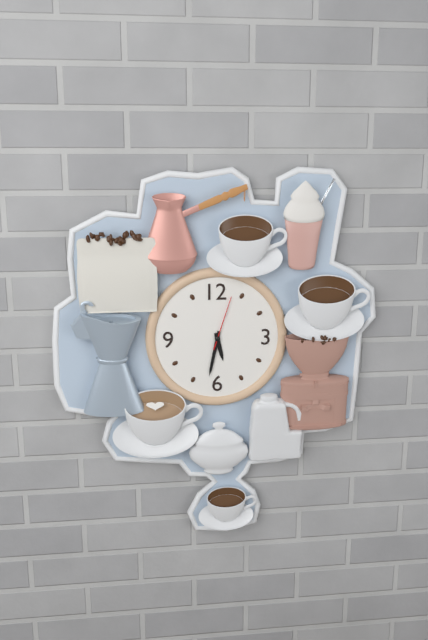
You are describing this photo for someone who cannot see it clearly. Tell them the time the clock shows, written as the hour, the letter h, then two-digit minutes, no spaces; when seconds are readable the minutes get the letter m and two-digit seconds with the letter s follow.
5h32m03s
